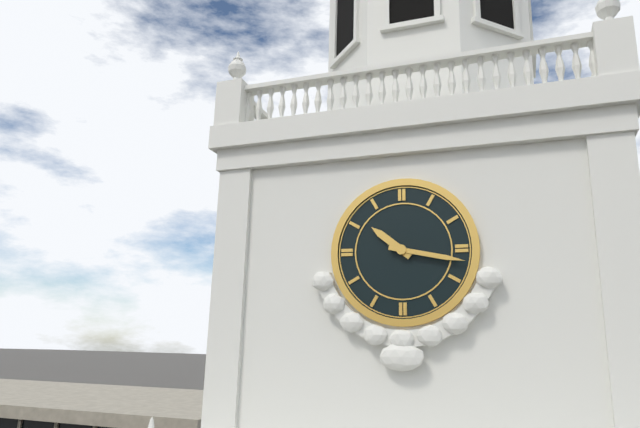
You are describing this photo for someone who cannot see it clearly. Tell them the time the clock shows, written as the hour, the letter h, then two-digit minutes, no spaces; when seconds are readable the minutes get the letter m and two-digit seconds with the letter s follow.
10h17
